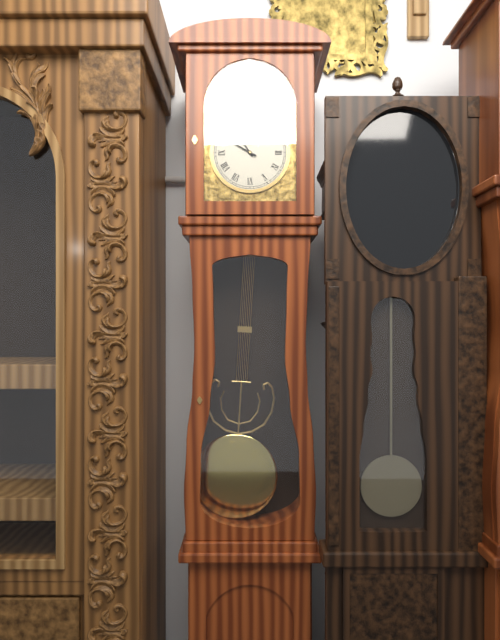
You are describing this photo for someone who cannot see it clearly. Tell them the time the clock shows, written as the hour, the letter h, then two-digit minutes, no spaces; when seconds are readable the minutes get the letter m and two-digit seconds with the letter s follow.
10h50
